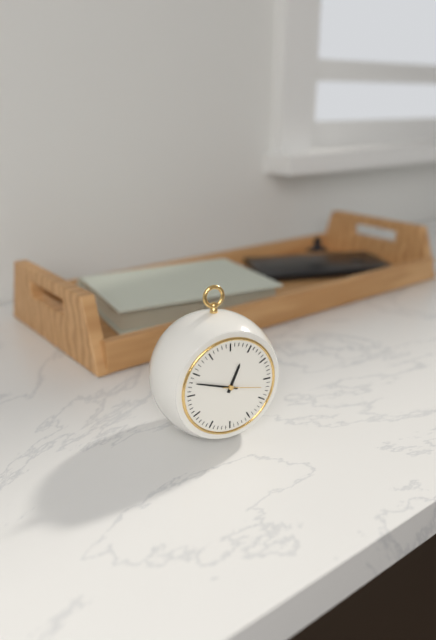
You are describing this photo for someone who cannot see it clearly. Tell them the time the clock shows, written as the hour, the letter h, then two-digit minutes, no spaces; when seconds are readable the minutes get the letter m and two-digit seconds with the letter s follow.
12h48
